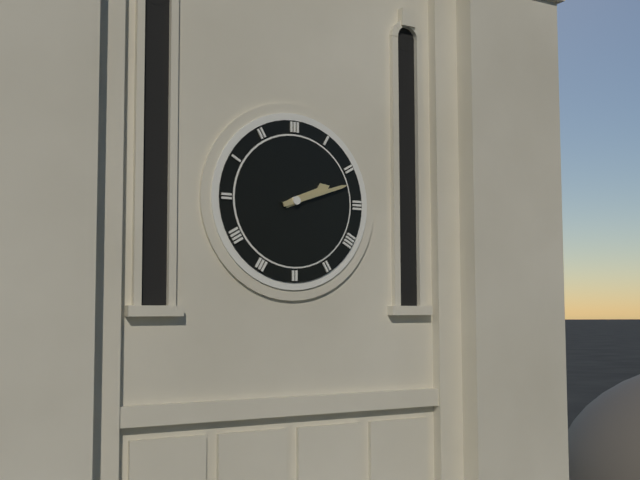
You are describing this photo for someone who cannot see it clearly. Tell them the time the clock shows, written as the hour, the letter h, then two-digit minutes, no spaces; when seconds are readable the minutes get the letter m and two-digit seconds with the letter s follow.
2h12
